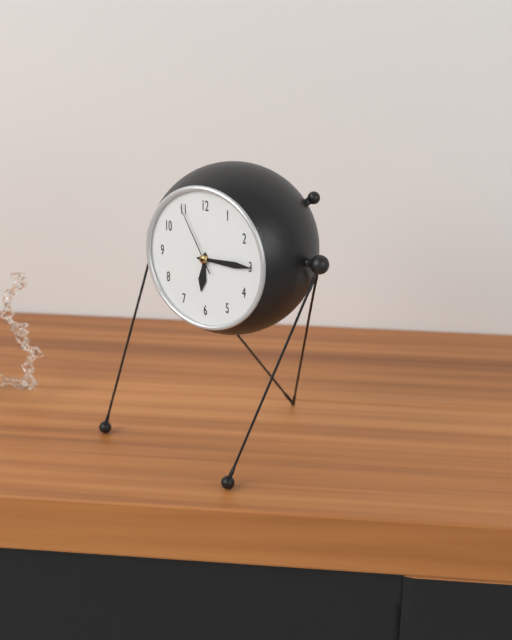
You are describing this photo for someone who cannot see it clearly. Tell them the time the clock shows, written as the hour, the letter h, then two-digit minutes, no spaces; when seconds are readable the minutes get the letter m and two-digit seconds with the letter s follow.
6h15m55s
